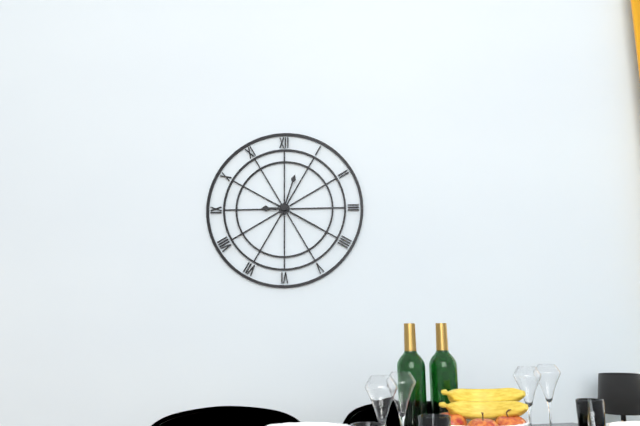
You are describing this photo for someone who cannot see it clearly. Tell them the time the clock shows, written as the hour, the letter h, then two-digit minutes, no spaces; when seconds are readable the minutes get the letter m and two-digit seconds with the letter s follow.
9h03
